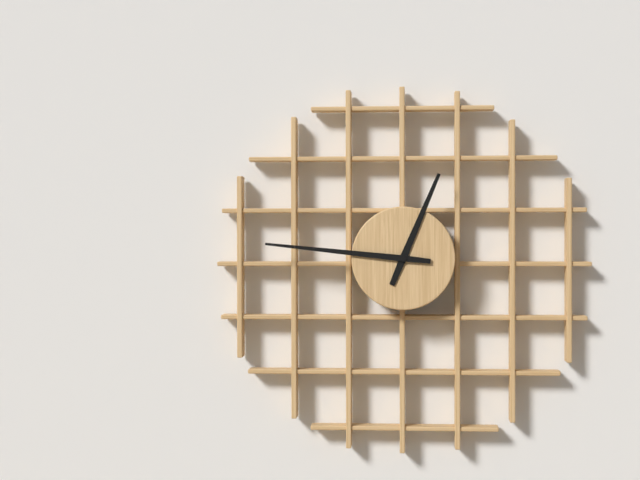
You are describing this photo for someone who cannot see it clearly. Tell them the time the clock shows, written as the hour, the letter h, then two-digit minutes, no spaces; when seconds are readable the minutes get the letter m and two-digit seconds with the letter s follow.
12h46
